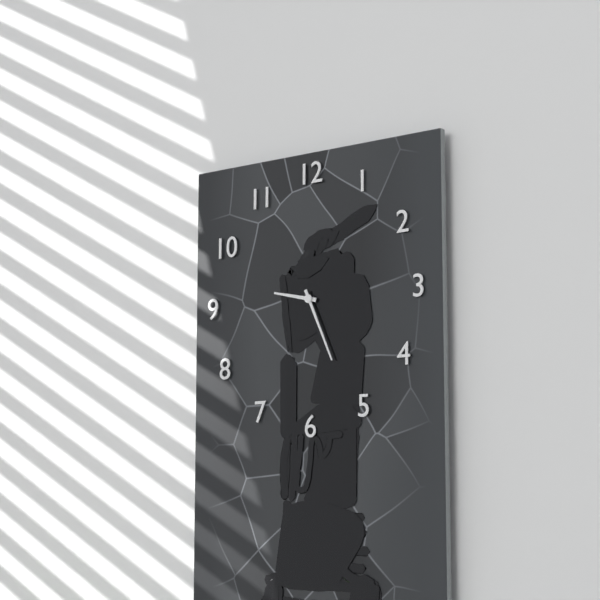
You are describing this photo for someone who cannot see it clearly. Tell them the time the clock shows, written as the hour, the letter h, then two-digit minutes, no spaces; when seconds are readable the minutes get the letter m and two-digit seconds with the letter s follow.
9h26
